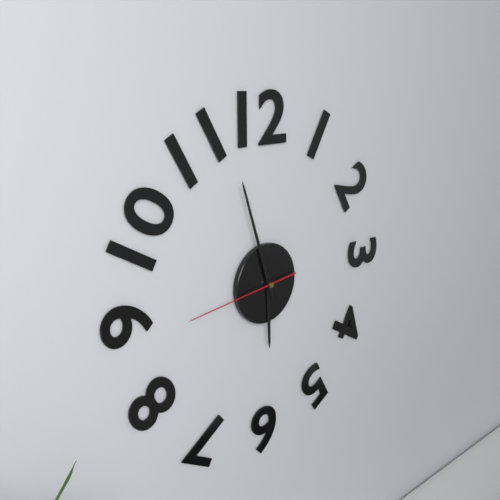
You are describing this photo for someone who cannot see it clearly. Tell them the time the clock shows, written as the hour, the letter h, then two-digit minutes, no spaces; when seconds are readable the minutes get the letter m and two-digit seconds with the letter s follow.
5h57m44s
